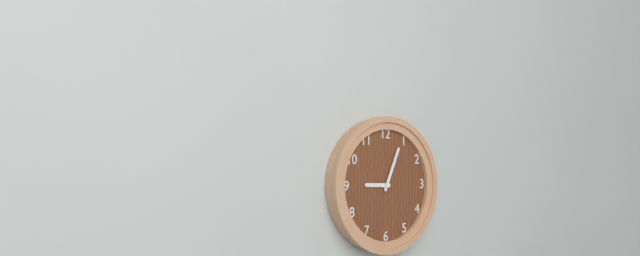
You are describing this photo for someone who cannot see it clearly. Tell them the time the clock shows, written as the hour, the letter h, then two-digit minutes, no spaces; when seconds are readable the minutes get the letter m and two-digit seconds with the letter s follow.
9h04
